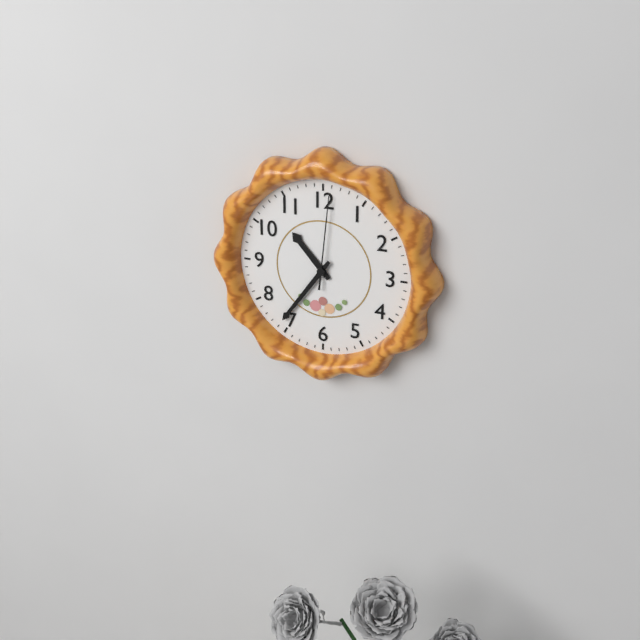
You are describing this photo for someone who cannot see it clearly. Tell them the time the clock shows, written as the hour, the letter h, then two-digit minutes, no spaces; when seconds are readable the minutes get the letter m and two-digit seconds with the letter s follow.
10h36m01s
